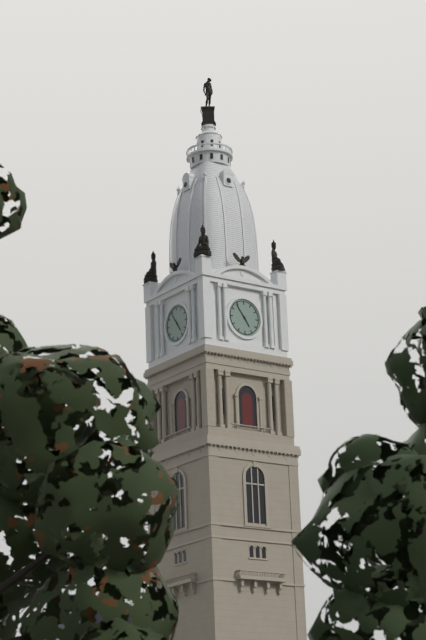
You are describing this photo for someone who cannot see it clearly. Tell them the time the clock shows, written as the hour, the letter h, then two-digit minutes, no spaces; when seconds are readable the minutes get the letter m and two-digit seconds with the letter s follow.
4h54
